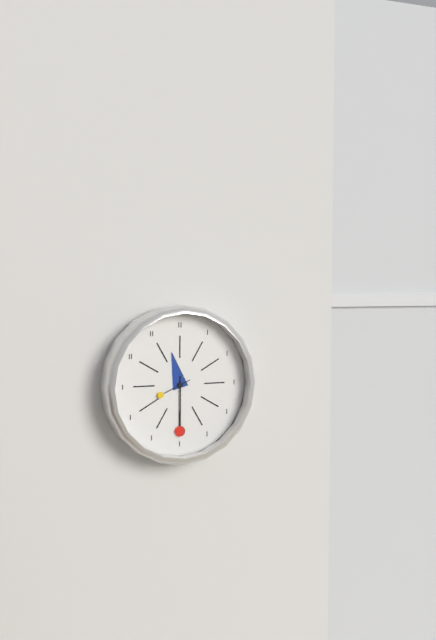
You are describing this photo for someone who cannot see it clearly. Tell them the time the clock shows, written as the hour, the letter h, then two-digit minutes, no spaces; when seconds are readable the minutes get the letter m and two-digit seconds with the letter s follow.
11h30
